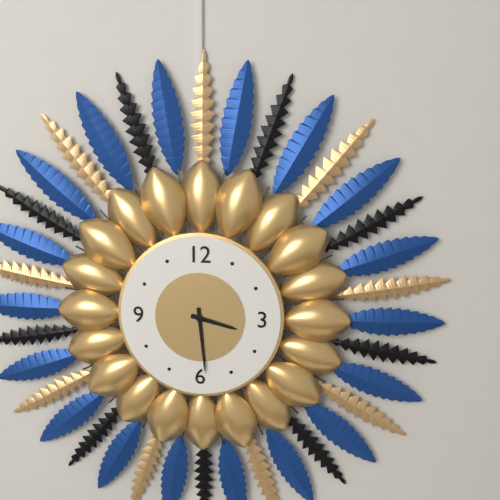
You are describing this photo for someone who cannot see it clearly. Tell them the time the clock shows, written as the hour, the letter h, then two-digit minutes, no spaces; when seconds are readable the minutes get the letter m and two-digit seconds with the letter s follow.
3h29
